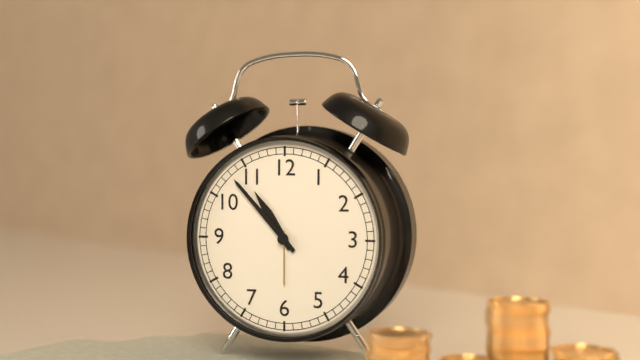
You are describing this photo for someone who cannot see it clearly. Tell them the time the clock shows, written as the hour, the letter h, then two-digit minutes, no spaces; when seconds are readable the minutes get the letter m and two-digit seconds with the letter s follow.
10h53
